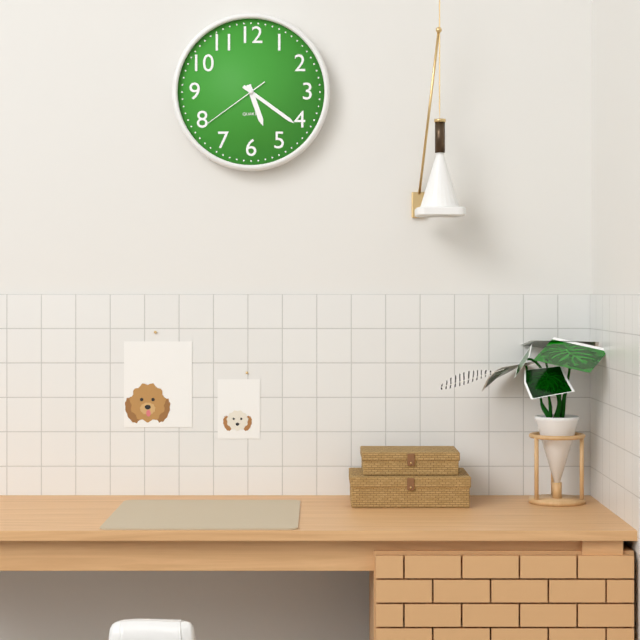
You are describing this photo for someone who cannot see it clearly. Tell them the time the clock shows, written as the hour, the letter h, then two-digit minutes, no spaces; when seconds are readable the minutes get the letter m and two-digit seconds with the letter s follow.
5h21m39s
